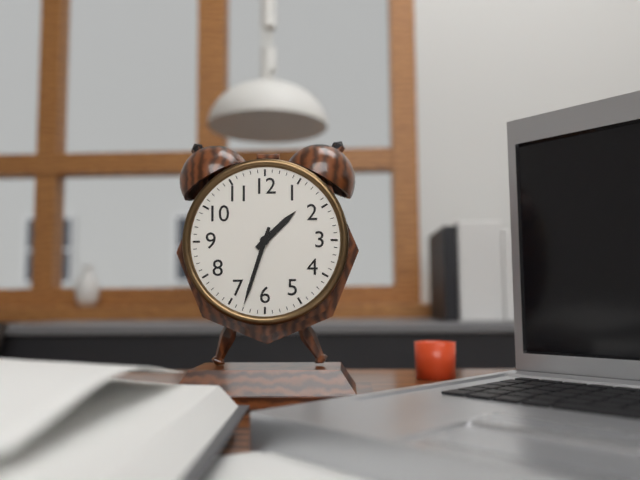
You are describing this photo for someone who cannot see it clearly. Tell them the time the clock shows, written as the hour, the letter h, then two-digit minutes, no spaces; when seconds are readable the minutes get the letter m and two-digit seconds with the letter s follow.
1h33
